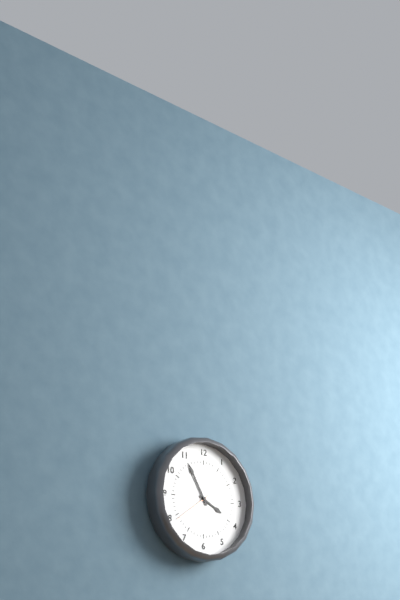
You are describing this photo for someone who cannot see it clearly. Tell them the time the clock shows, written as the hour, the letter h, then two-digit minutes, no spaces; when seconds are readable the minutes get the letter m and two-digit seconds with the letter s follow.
3h55
